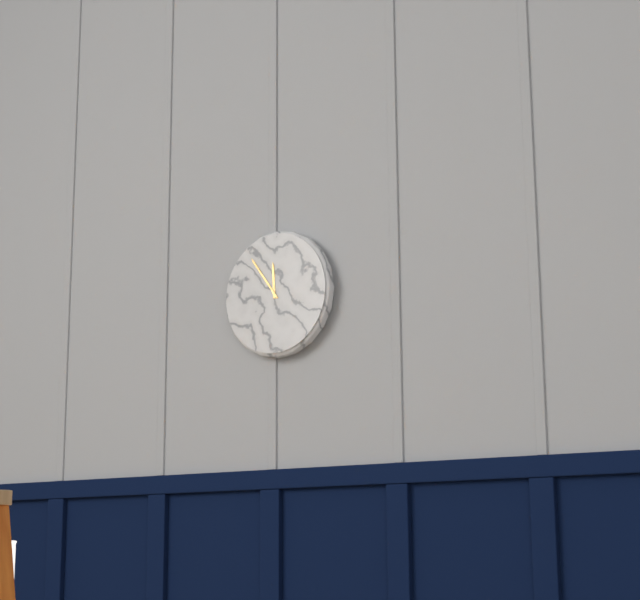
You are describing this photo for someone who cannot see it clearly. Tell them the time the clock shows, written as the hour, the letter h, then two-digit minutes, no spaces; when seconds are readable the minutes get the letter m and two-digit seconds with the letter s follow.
11h54
